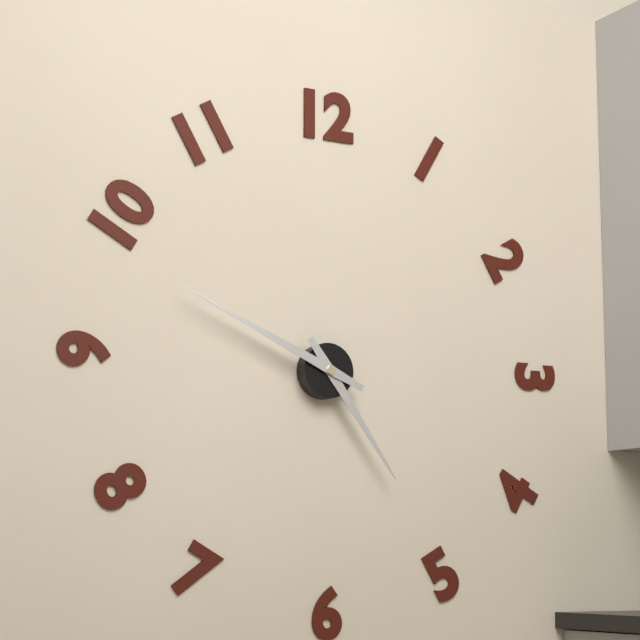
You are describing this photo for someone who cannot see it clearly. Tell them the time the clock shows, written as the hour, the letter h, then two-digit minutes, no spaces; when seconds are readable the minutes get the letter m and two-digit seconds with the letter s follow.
4h49
